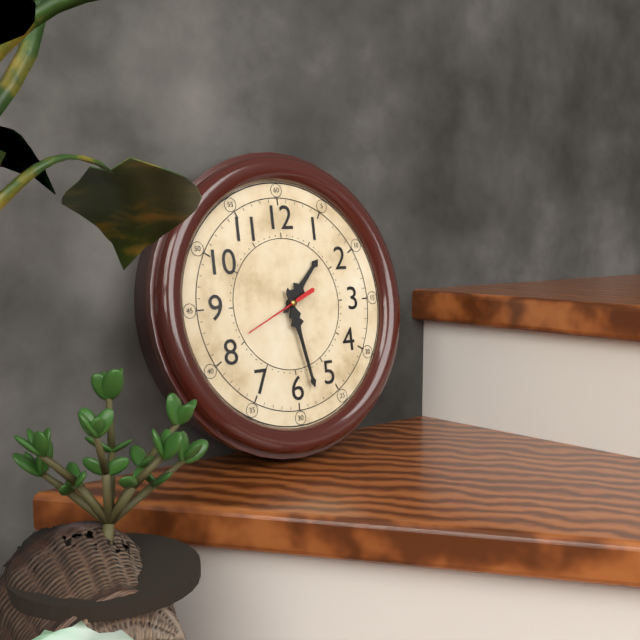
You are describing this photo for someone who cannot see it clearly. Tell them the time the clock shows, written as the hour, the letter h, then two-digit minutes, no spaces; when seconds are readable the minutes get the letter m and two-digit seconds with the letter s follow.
1h28m41s
